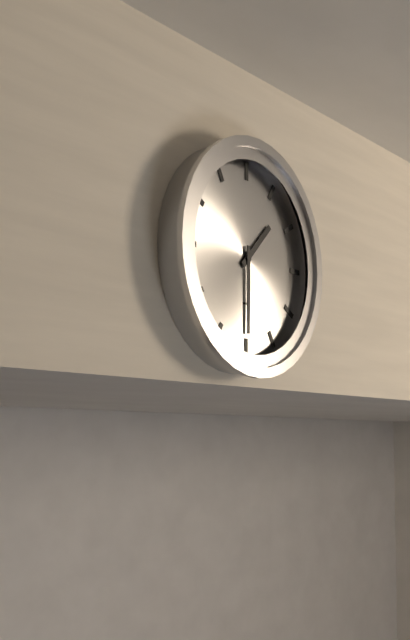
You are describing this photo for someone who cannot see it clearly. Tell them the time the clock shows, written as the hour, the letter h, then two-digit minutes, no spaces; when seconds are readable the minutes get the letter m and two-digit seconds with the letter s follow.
1h30
